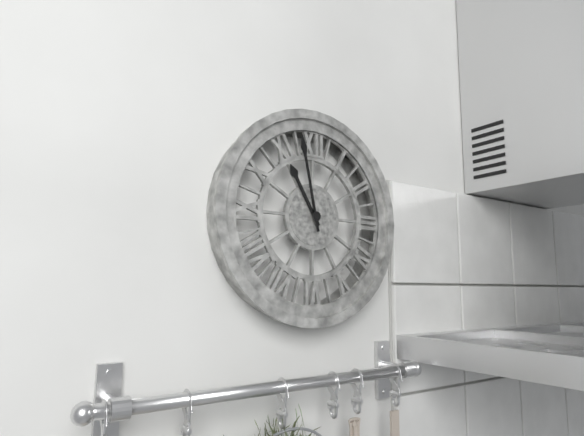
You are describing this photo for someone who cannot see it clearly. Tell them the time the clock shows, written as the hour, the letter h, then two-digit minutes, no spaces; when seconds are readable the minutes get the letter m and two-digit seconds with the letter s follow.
10h58
